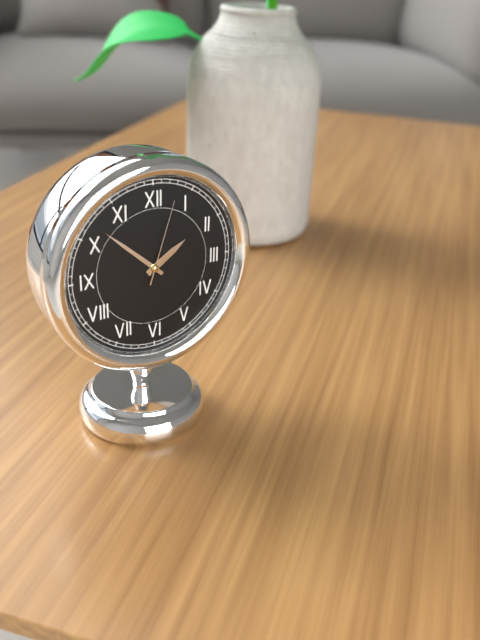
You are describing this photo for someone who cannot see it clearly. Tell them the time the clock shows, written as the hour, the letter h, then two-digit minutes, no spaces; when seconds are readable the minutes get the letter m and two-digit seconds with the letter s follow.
1h52m03s
